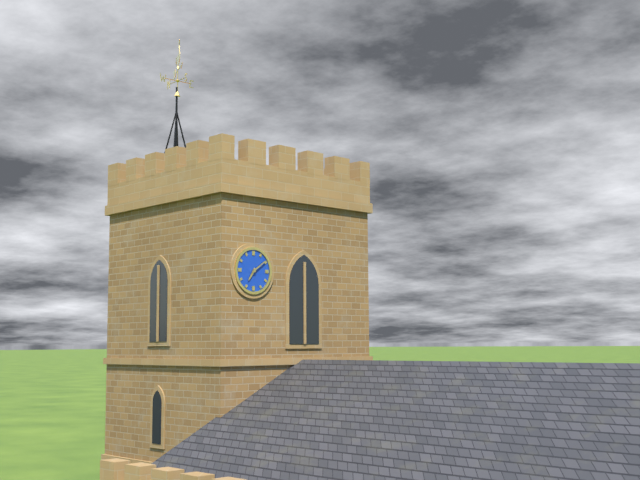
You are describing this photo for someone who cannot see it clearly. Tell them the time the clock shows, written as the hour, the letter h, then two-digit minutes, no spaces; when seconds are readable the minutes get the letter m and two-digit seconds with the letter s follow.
7h09
